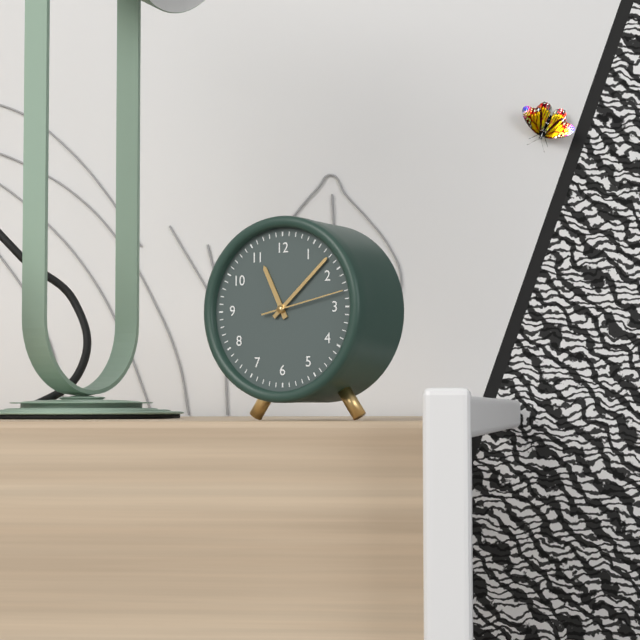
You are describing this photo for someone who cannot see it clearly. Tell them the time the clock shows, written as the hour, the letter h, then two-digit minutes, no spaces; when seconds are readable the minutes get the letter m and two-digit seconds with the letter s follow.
11h08m13s
